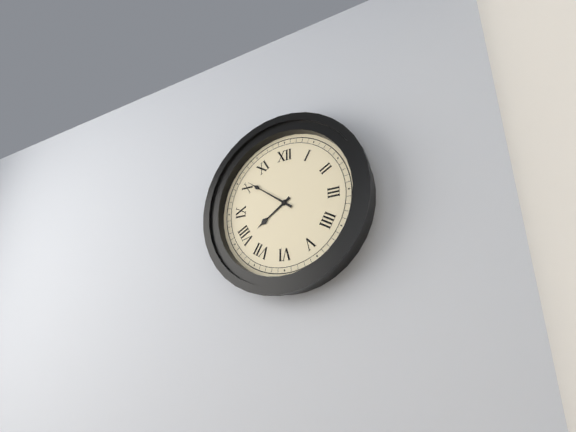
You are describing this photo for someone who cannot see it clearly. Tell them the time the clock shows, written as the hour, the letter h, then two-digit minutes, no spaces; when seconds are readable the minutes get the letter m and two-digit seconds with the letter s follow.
7h51
